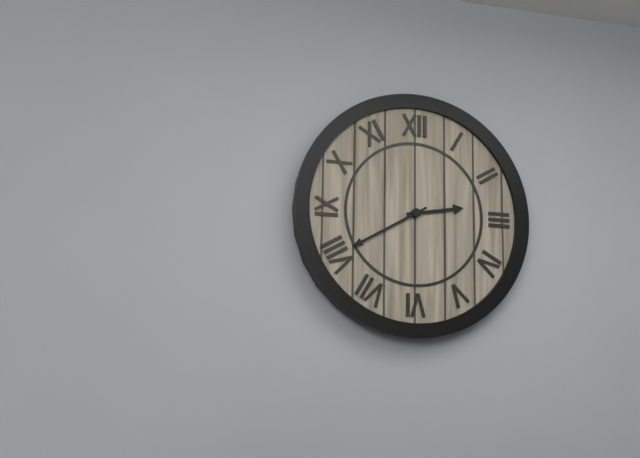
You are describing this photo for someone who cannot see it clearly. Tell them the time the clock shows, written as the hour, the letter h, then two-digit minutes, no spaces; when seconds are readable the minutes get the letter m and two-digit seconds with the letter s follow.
2h40
